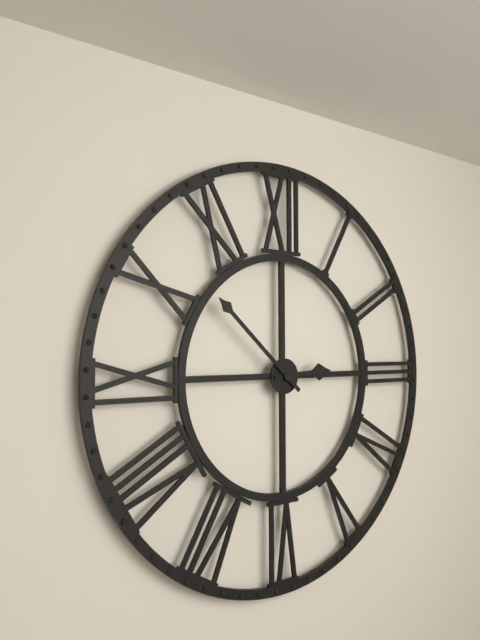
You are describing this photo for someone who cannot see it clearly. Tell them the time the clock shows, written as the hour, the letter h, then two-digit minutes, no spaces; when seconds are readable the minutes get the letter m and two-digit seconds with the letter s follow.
2h52
